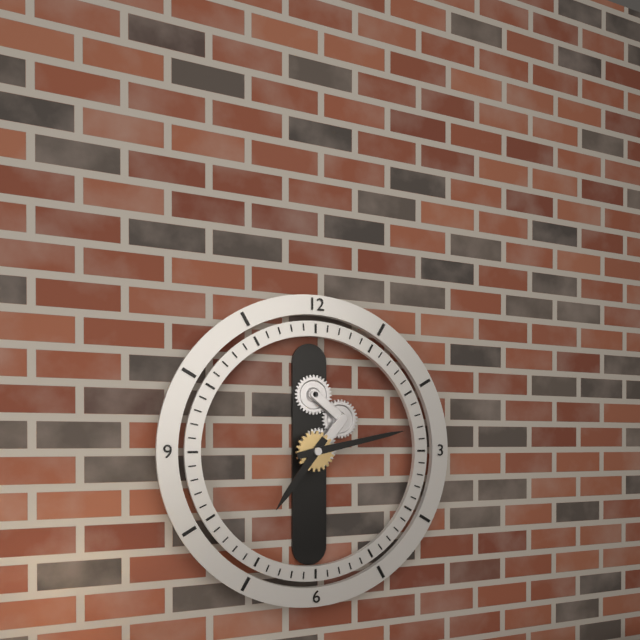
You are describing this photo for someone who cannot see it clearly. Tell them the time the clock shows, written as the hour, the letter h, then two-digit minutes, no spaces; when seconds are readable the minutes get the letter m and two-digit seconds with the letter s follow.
7h13
